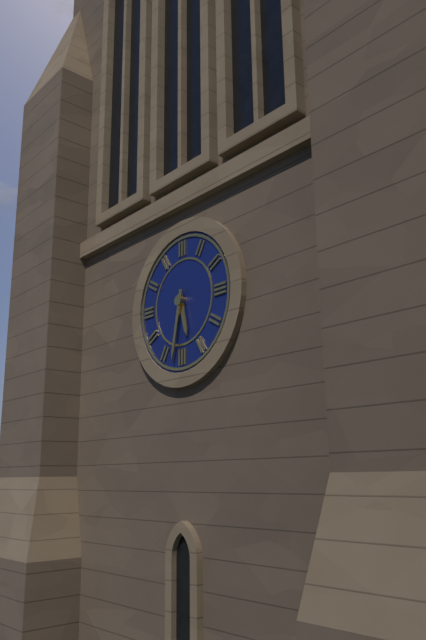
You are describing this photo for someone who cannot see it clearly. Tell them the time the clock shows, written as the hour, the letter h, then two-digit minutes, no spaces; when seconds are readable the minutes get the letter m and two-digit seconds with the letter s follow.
5h32
